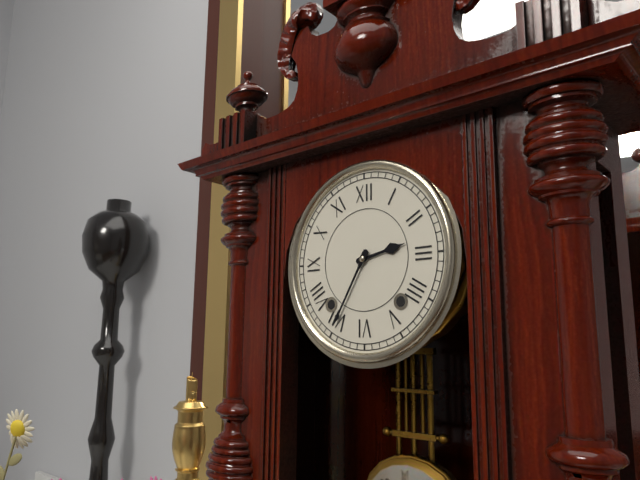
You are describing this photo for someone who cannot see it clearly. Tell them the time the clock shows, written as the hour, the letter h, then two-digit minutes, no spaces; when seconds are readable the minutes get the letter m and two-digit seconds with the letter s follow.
2h35
